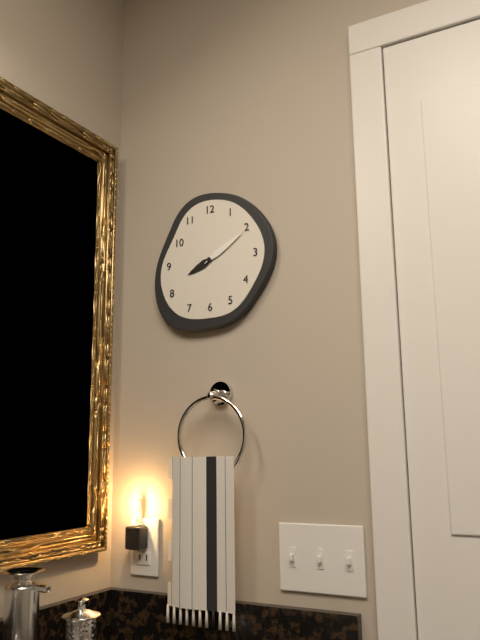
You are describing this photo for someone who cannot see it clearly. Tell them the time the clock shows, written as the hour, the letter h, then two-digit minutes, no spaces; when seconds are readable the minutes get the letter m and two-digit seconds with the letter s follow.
8h10
